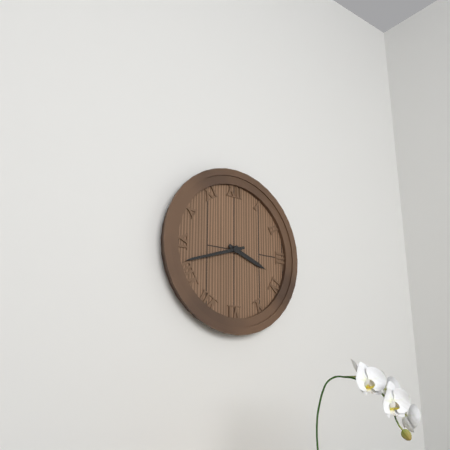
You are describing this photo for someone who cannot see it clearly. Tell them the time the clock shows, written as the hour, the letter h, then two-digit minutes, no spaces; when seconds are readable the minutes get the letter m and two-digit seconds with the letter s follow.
3h42
